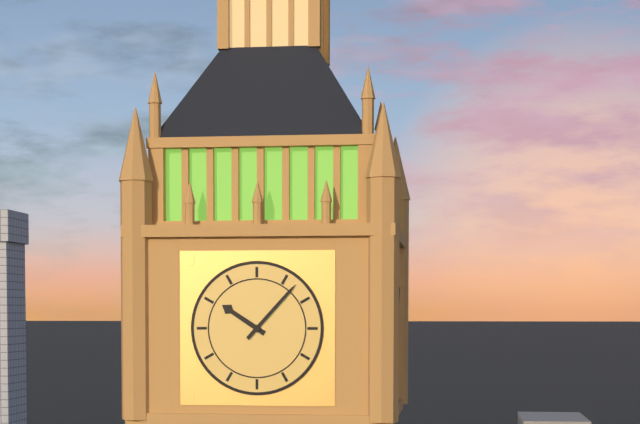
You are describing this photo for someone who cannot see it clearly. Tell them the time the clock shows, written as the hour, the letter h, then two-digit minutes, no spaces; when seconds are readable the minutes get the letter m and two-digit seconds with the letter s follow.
10h07
